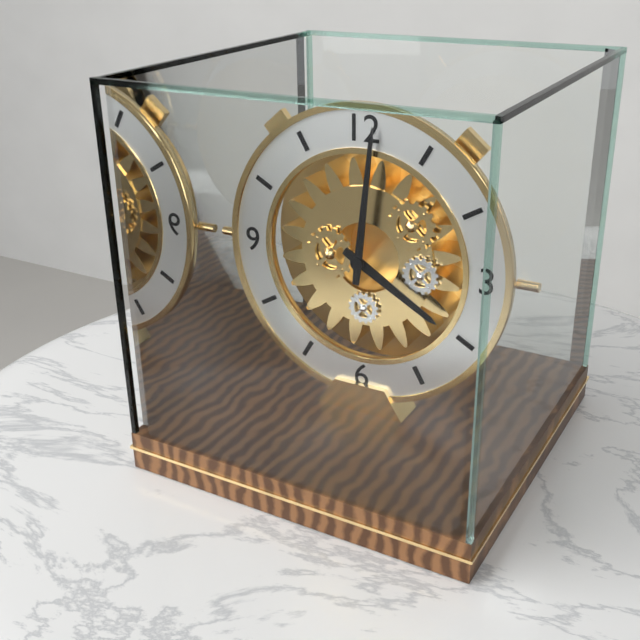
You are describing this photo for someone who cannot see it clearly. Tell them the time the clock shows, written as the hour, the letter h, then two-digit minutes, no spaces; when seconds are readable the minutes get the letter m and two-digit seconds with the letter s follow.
4h01
